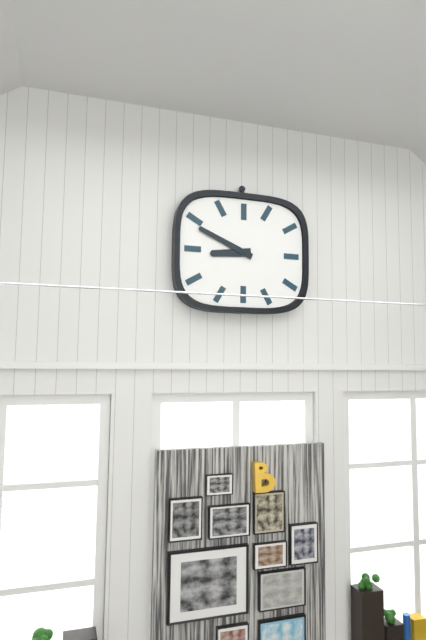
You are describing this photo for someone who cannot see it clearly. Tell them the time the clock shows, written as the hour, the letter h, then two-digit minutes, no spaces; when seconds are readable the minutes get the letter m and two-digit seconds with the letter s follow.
8h49
